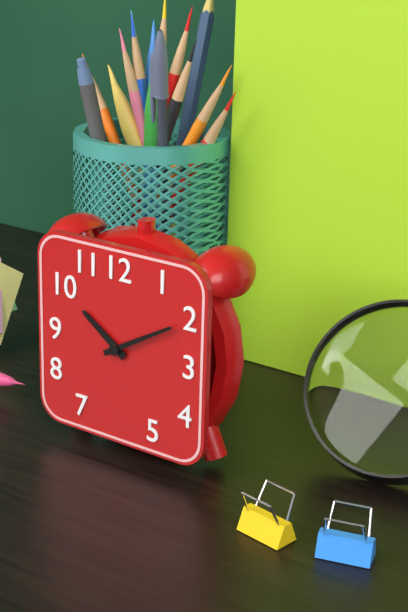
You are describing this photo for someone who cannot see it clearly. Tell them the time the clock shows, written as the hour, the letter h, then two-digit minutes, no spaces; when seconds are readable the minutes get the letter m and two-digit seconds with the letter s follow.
10h10
